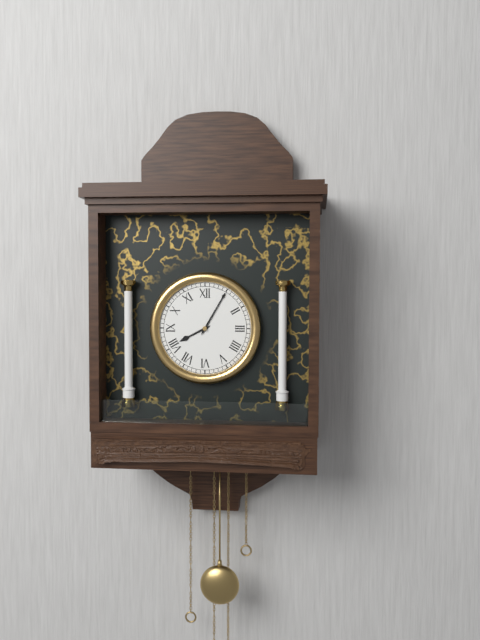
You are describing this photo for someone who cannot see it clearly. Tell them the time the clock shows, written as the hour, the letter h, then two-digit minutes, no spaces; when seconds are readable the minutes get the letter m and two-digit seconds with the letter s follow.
8h05
